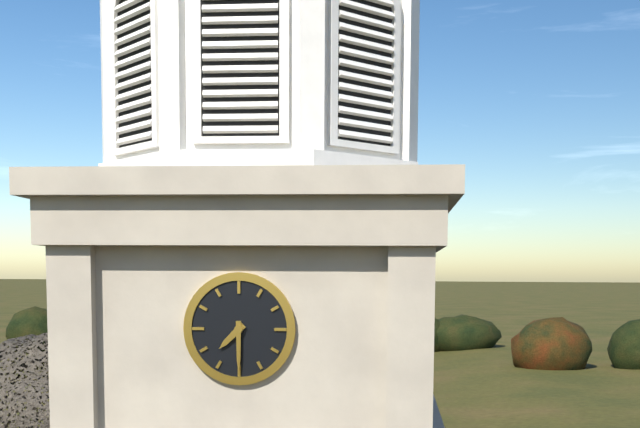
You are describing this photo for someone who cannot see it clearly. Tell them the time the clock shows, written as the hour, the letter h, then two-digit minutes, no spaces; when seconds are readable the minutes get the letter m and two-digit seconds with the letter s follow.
7h30
